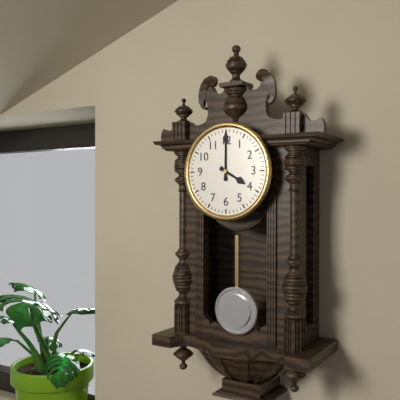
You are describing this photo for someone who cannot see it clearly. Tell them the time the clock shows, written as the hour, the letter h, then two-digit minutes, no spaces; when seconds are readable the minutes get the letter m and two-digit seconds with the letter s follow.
4h00
